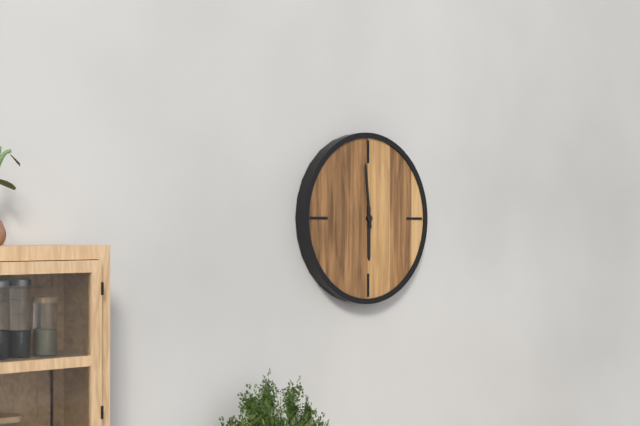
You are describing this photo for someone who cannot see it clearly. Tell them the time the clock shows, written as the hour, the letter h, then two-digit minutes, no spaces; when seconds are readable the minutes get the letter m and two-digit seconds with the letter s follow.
5h59
